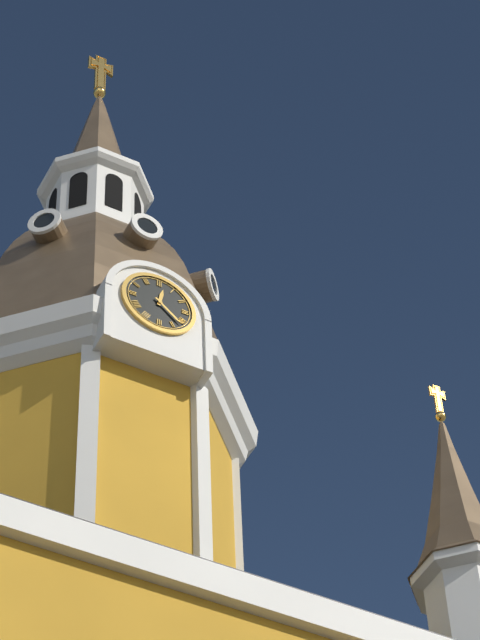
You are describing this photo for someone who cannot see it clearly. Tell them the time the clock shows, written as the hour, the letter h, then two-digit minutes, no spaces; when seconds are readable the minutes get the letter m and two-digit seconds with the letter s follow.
12h22
